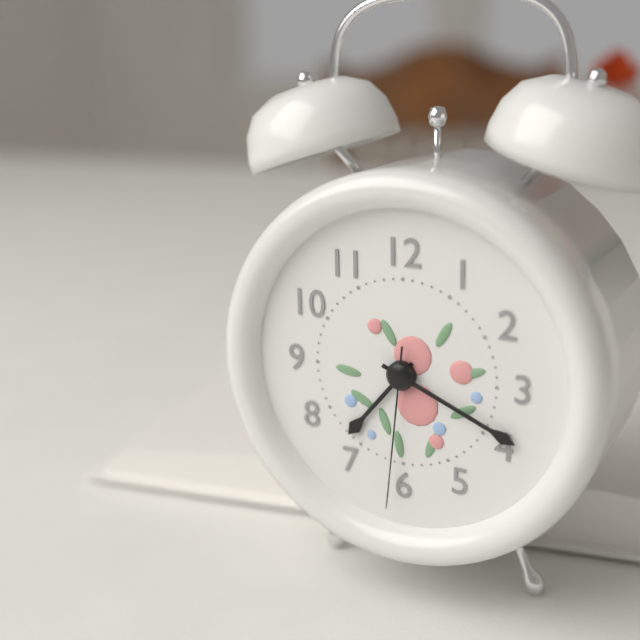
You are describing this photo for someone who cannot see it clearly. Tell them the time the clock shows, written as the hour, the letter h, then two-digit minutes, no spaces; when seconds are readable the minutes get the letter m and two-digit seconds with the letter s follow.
7h19m31s
